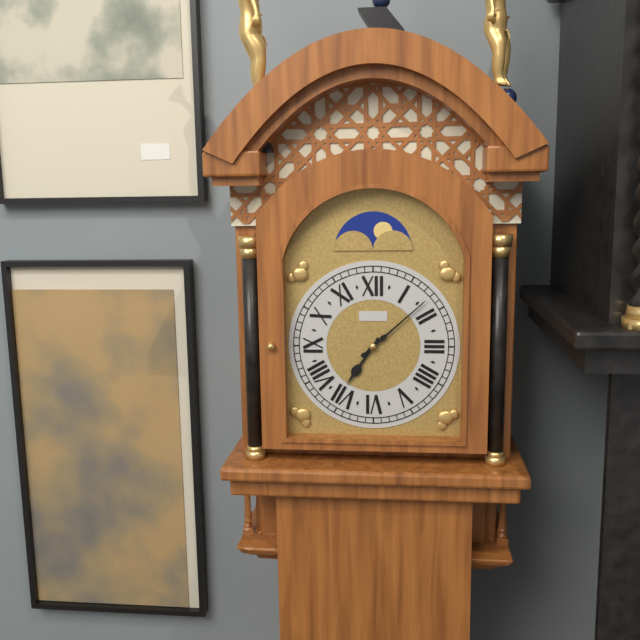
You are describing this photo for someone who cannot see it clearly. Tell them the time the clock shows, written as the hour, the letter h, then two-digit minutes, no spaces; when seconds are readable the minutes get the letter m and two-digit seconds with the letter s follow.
7h08
